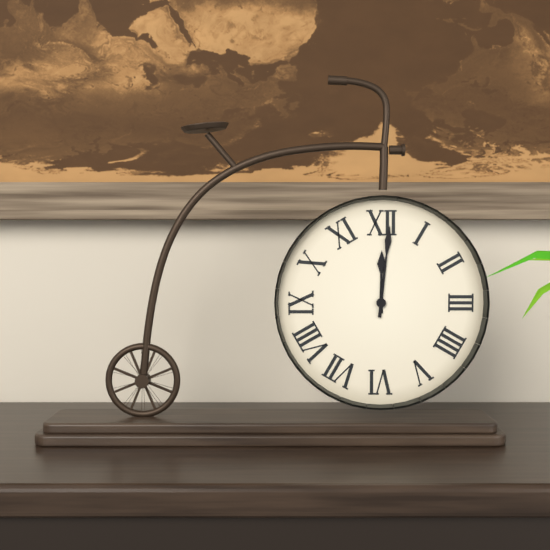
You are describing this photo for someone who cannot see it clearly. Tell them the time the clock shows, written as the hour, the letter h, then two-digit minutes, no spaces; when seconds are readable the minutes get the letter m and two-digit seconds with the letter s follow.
12h01
